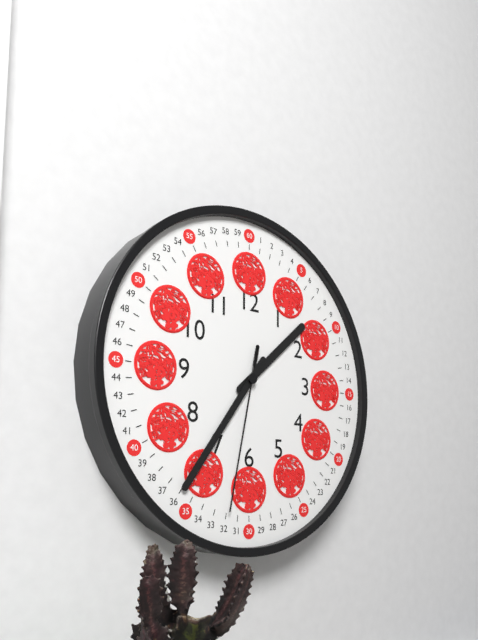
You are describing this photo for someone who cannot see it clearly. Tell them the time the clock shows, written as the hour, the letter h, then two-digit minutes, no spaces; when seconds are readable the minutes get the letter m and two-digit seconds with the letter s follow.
1h36m32s
